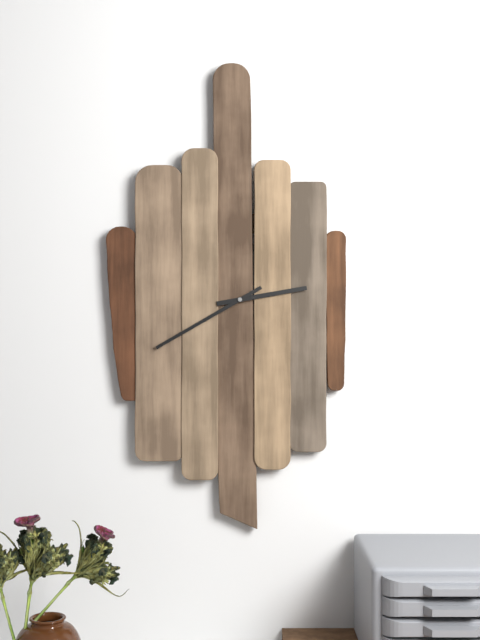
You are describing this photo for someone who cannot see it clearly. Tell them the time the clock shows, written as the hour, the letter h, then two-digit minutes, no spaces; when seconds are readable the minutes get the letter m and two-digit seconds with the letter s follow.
2h40
